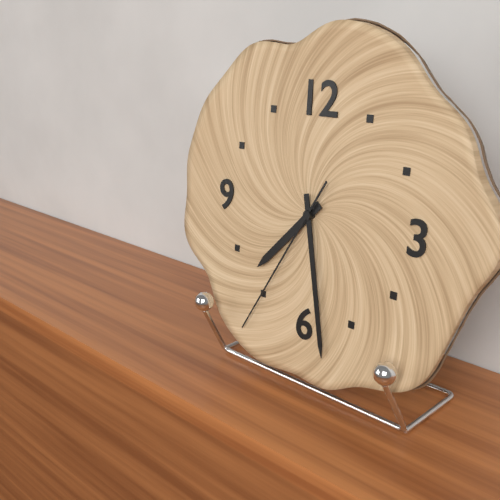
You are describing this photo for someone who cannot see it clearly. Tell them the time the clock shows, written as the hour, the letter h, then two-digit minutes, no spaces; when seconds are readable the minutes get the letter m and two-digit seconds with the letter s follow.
7h28m35s
